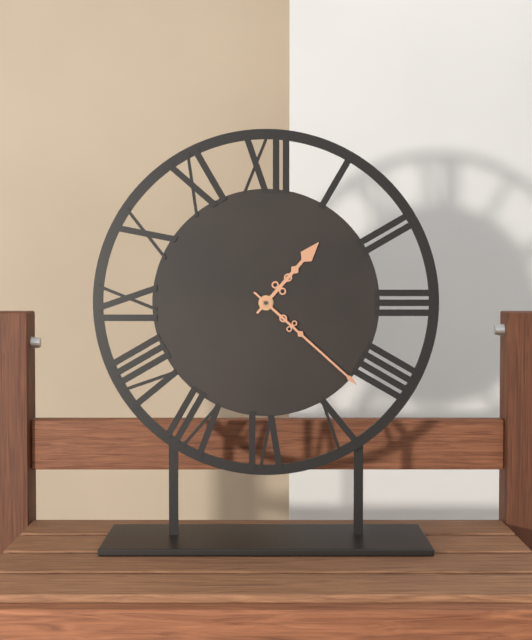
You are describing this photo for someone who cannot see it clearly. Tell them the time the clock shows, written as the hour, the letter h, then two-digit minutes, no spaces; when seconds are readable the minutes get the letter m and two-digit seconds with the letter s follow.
1h22
